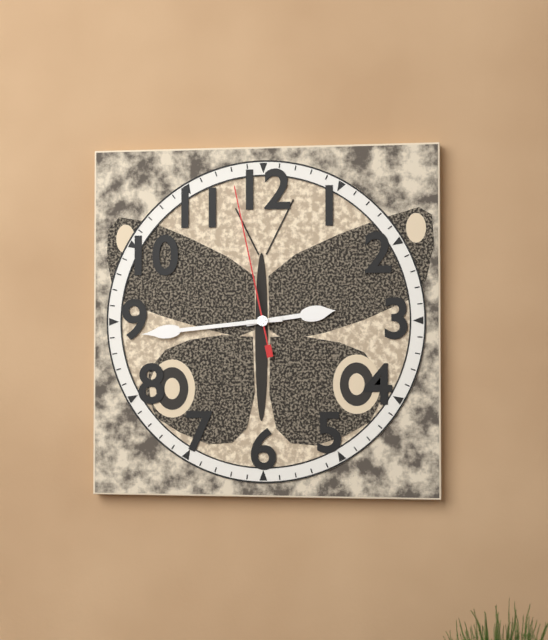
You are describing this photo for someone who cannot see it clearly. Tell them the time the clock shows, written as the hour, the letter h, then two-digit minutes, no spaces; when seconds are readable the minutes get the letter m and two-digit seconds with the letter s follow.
2h44m58s
